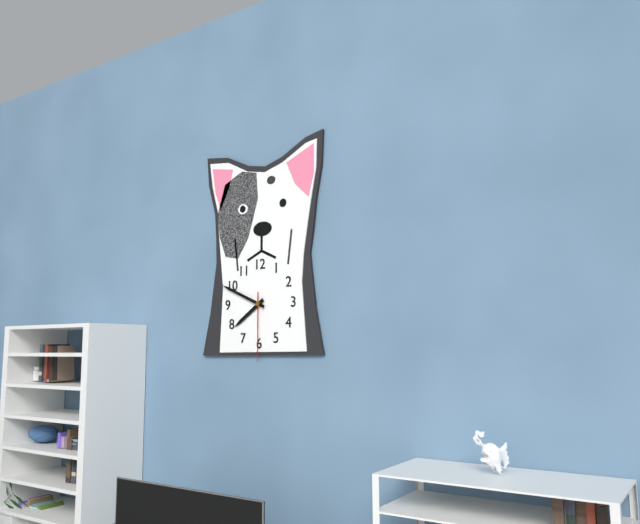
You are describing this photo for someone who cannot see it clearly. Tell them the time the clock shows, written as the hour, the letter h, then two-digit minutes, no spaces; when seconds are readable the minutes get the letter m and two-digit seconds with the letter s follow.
7h49m30s
